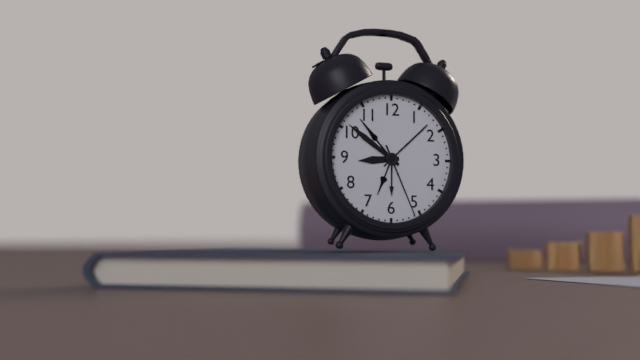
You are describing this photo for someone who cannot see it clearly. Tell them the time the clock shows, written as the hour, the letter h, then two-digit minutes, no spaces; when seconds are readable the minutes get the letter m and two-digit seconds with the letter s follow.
8h51m26s
